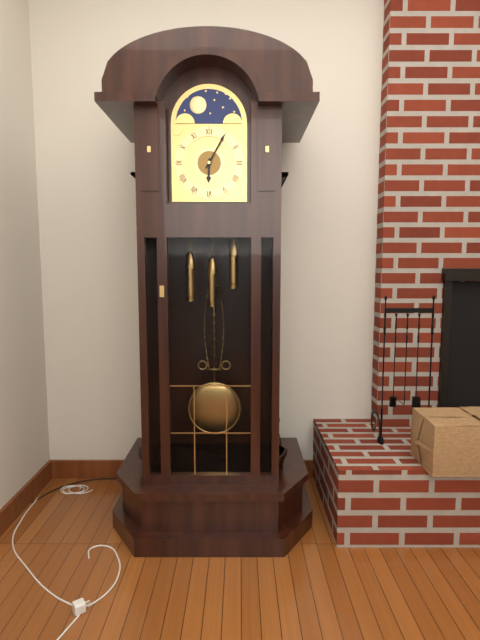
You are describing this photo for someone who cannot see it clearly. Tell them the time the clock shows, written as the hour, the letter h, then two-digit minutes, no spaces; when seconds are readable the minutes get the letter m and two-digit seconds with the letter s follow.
6h05
